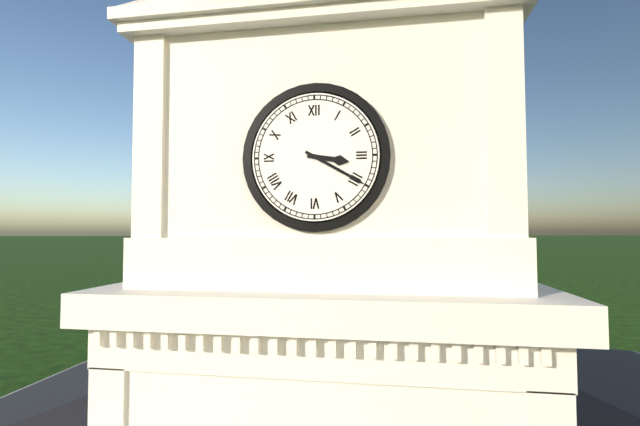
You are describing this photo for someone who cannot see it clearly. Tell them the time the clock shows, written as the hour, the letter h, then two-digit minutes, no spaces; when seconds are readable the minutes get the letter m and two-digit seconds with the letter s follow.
3h20
